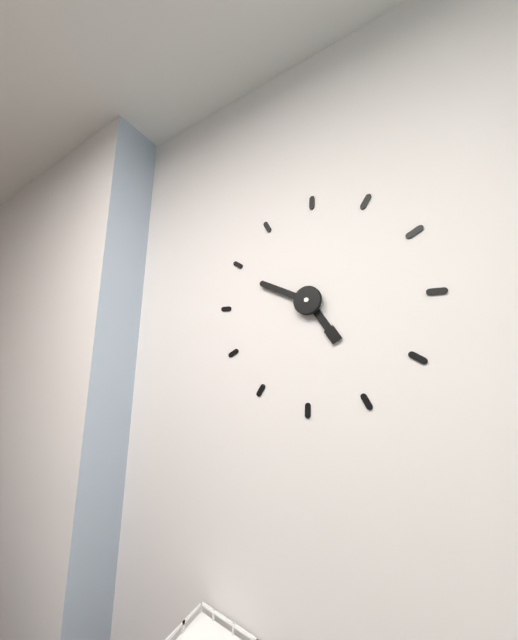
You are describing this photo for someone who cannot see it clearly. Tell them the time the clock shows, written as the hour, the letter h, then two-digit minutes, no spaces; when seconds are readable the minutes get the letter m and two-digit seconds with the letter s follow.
4h49
